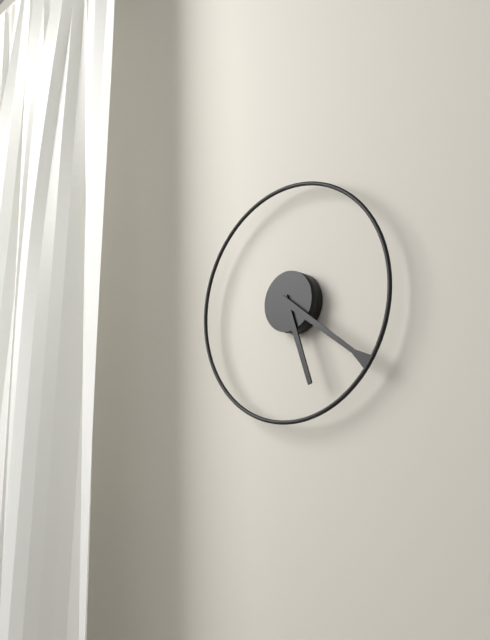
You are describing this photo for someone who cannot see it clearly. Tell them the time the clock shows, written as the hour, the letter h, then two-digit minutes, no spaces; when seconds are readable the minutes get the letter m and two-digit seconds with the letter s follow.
5h21
